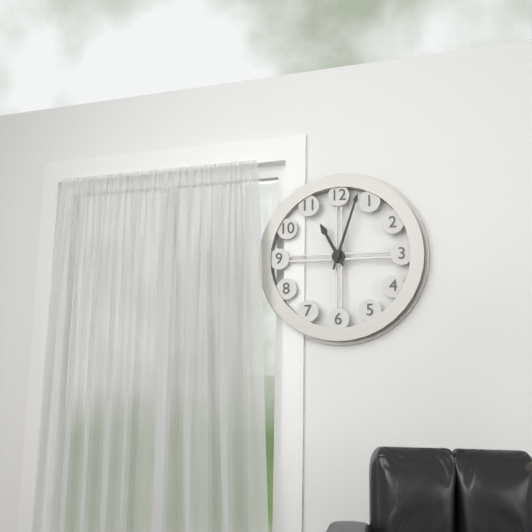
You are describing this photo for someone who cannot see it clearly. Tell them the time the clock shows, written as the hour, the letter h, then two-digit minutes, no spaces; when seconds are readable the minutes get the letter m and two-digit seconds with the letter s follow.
11h03
